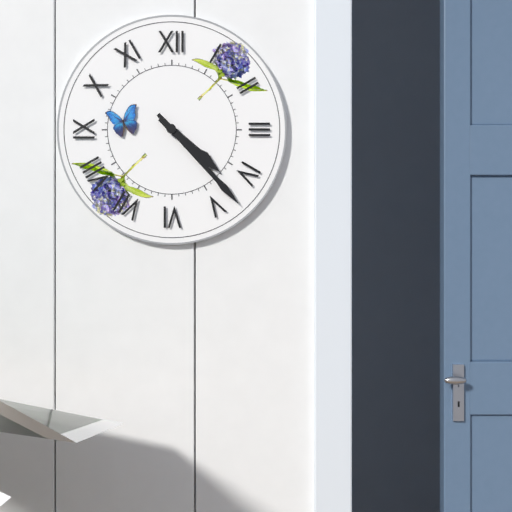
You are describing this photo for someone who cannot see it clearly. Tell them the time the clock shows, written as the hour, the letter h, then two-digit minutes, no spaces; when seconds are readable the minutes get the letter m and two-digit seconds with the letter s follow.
4h23
